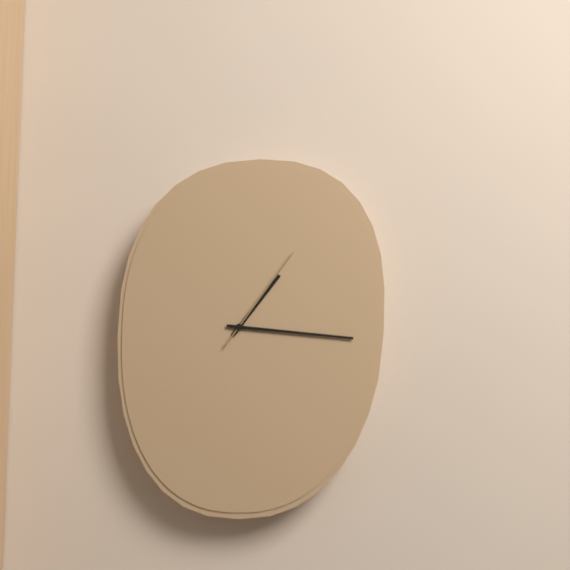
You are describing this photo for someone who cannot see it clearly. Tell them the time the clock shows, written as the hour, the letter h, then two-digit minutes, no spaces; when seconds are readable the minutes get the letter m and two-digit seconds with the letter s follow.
1h16m06s
